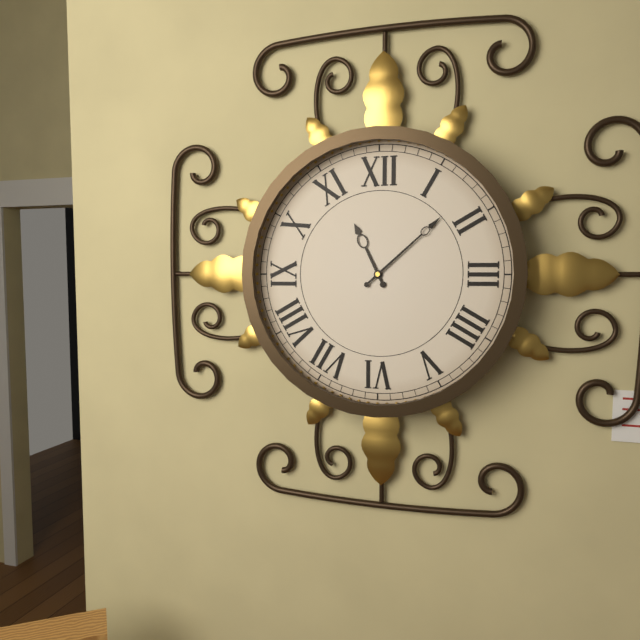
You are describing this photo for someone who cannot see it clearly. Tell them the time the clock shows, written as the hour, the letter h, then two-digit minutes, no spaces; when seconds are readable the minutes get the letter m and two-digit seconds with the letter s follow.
11h08
